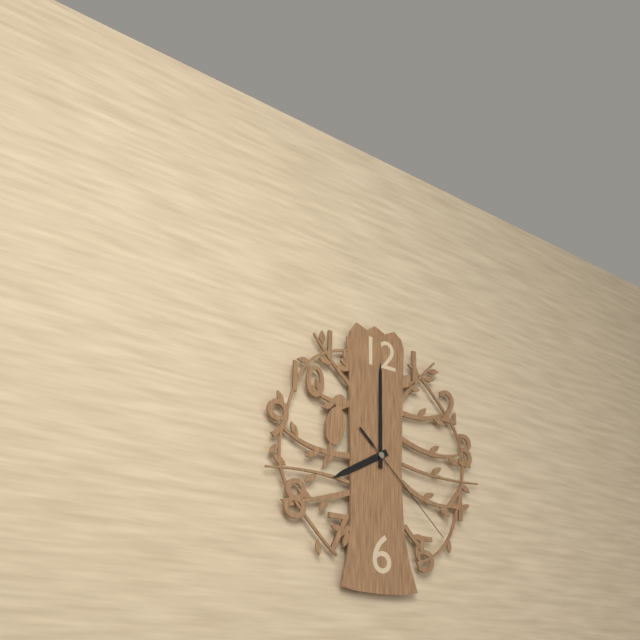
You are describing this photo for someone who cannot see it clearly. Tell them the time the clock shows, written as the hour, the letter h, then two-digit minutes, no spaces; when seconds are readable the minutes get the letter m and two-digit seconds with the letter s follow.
8h00m22s
